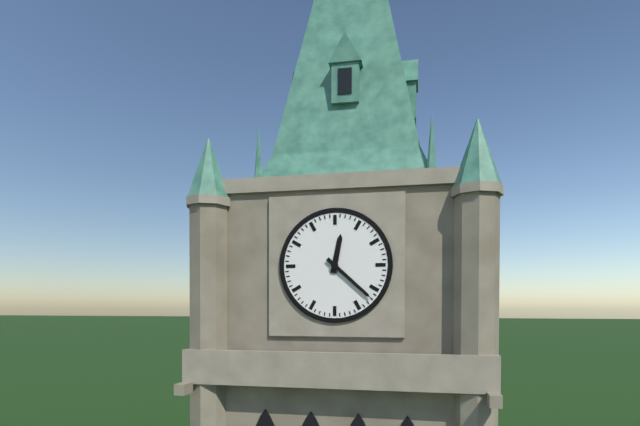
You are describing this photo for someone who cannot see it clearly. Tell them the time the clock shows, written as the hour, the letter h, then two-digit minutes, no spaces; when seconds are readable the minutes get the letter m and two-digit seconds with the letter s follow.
12h22
